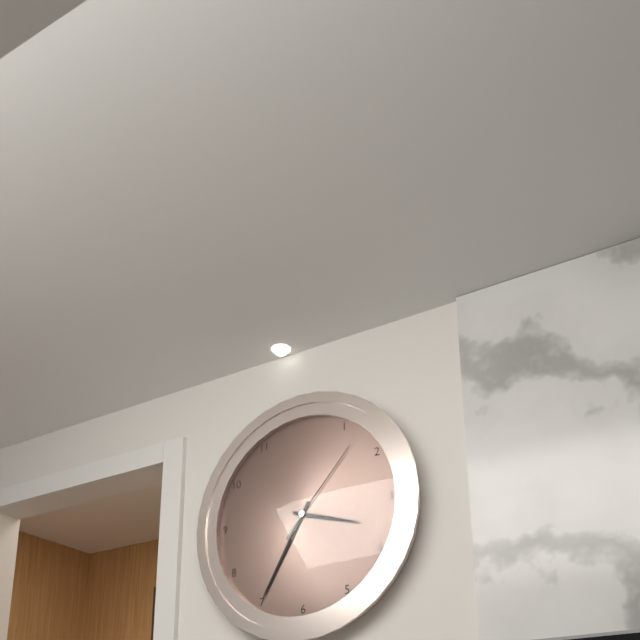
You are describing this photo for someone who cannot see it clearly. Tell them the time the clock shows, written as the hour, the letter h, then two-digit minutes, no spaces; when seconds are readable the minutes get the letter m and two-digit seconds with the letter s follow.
3h35m07s
